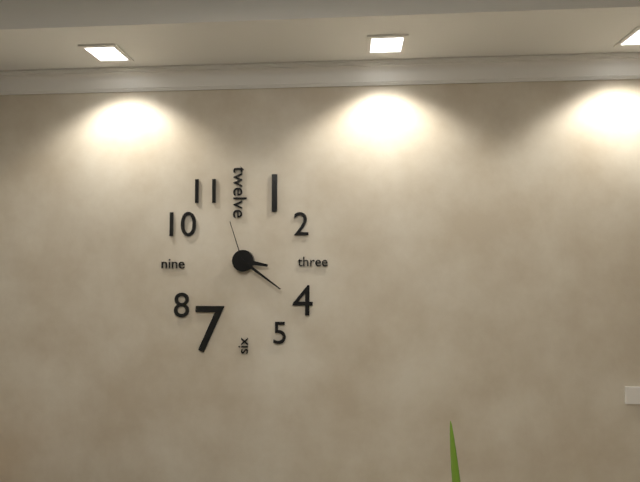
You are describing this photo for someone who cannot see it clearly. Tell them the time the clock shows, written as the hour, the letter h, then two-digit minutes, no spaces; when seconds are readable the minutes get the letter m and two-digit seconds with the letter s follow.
3h21m57s
